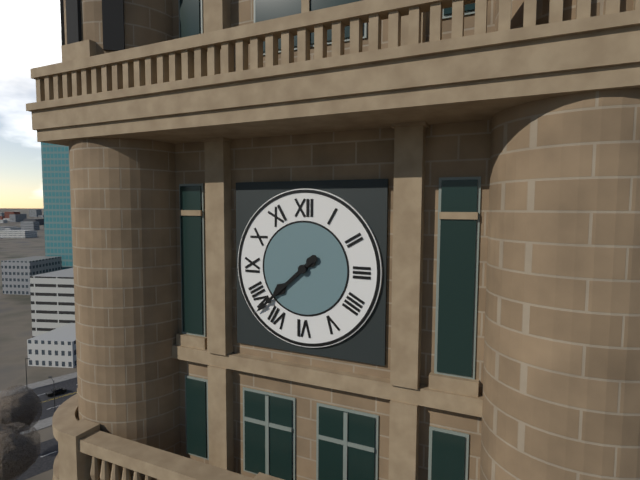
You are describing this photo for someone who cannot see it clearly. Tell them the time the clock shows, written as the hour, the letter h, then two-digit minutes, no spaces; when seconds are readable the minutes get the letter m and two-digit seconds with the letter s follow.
7h38
